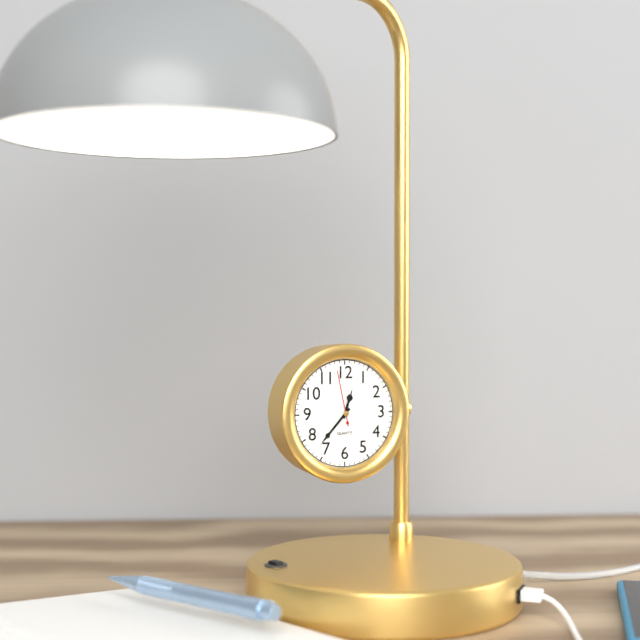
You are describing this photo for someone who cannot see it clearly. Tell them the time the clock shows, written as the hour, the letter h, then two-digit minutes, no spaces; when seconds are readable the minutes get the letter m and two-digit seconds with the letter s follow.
12h37m58s
